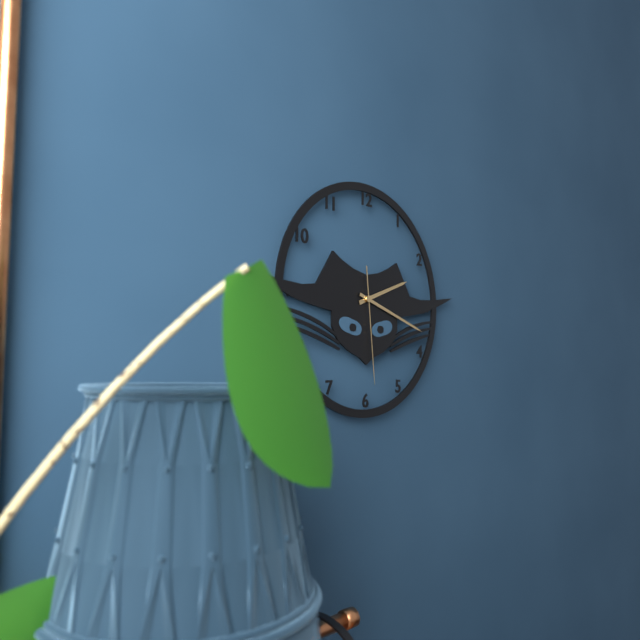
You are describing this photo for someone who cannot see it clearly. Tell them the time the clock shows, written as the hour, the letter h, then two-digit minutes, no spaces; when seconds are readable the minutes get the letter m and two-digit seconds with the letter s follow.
2h18m29s
